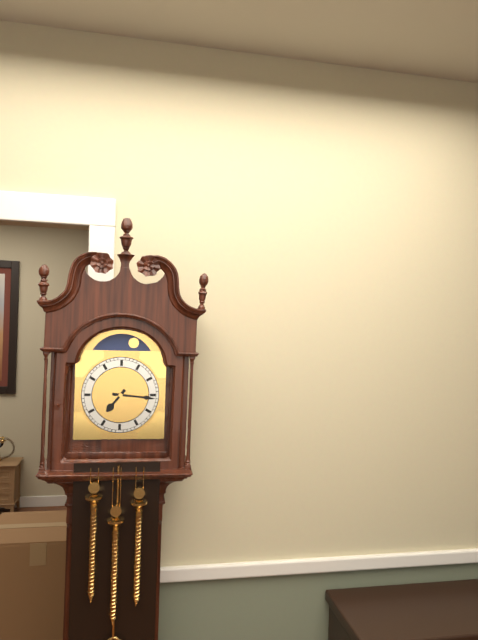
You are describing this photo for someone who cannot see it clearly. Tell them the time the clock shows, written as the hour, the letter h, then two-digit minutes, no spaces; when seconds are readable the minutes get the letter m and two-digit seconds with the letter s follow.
7h16
